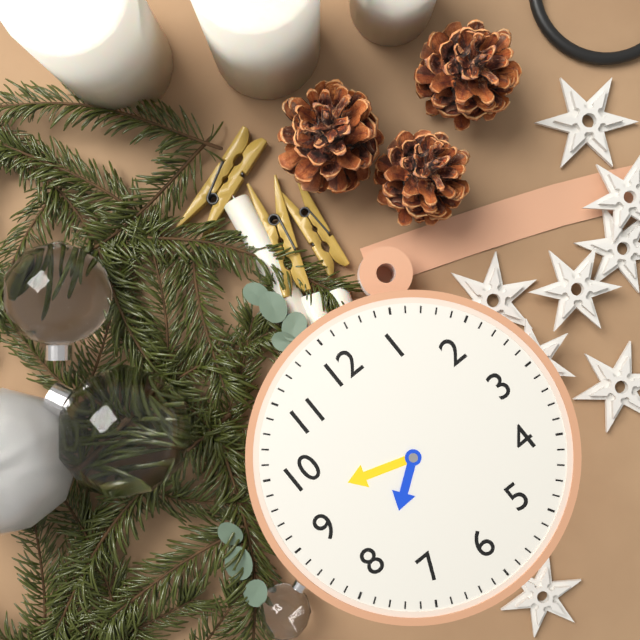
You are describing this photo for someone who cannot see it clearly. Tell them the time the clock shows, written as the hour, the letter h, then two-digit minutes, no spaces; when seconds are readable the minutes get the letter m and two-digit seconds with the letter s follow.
7h48
